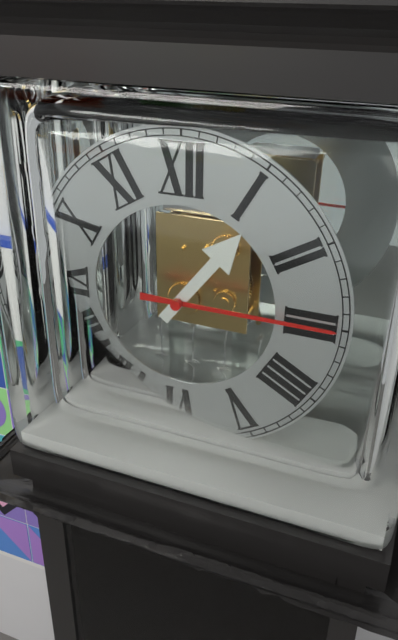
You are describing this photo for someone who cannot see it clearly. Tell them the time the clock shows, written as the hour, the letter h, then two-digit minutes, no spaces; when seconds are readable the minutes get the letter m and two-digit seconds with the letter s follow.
1h15
